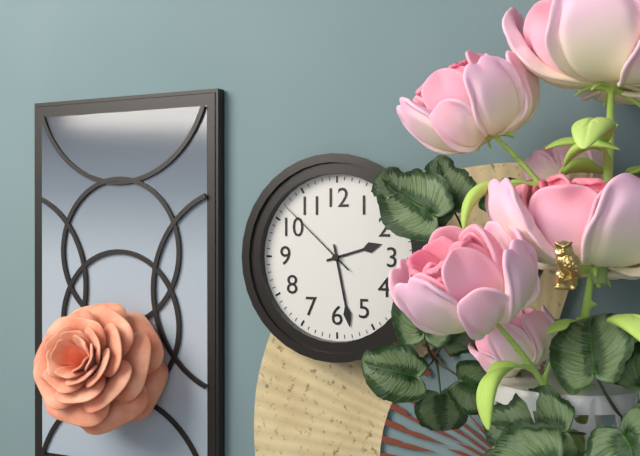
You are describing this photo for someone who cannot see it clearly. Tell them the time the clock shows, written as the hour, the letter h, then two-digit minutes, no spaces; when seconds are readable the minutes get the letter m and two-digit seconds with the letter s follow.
2h28m52s
